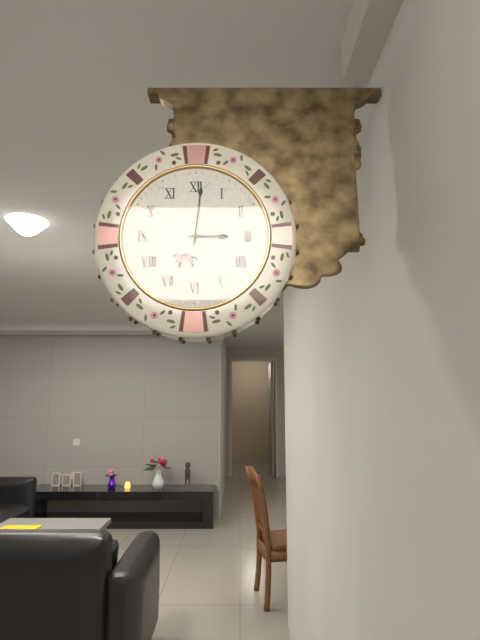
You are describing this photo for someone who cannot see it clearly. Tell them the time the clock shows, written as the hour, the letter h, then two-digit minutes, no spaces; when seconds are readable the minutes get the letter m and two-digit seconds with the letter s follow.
3h01
